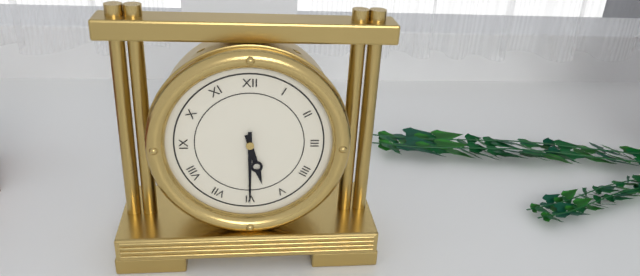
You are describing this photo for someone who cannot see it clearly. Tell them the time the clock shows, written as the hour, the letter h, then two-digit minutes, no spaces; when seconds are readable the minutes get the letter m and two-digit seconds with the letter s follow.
5h30
